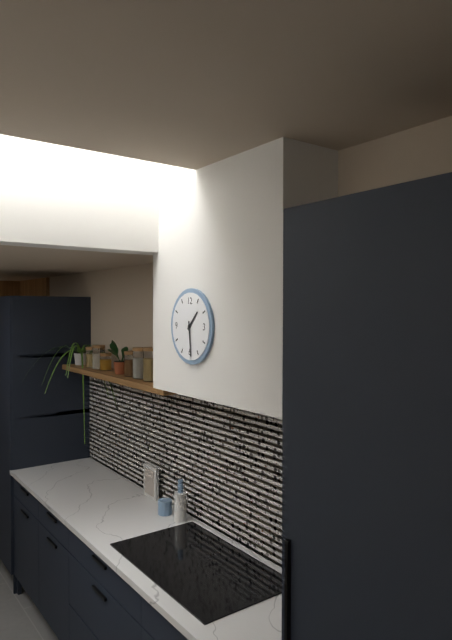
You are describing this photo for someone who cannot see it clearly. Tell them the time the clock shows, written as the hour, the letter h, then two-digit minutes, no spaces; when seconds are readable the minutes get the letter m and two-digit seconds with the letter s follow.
1h29
